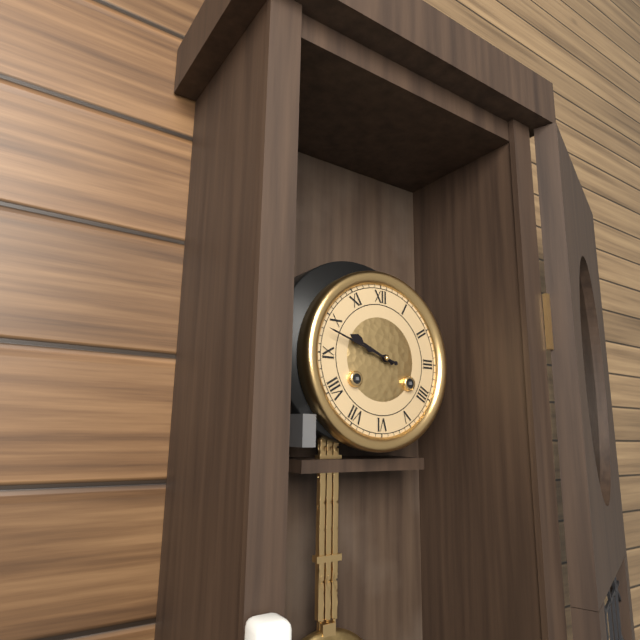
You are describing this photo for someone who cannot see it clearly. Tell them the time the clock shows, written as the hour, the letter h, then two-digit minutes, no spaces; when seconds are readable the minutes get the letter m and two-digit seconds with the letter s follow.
9h48
